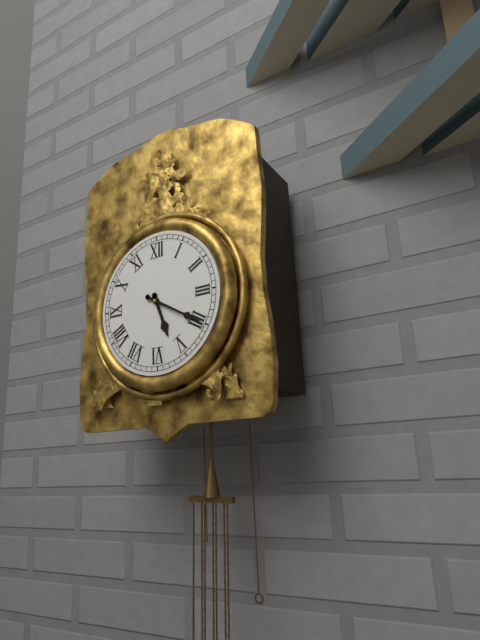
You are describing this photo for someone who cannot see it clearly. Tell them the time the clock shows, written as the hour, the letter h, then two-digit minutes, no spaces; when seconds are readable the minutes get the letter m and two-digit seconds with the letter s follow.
5h20
